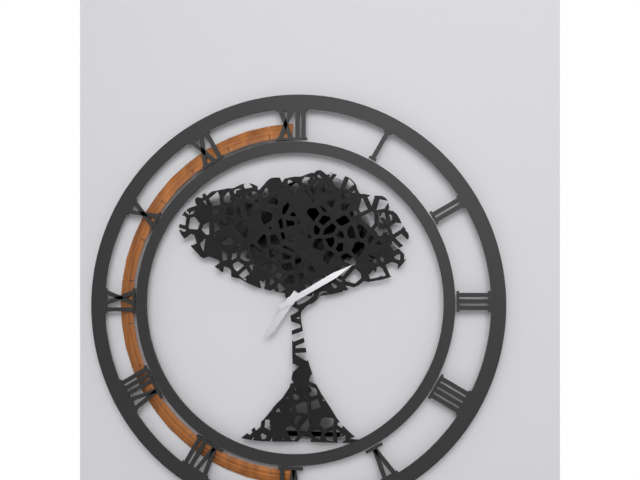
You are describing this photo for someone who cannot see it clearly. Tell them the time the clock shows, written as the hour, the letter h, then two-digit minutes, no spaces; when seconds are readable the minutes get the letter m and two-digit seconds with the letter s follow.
7h10
